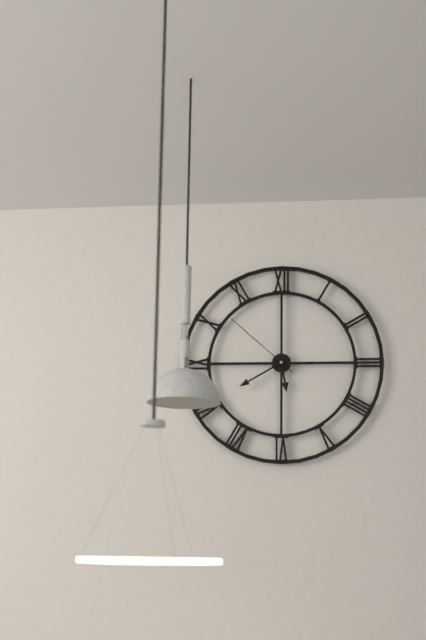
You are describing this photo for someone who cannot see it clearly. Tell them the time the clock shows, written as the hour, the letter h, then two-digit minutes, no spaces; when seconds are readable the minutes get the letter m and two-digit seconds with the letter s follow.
5h40m52s
